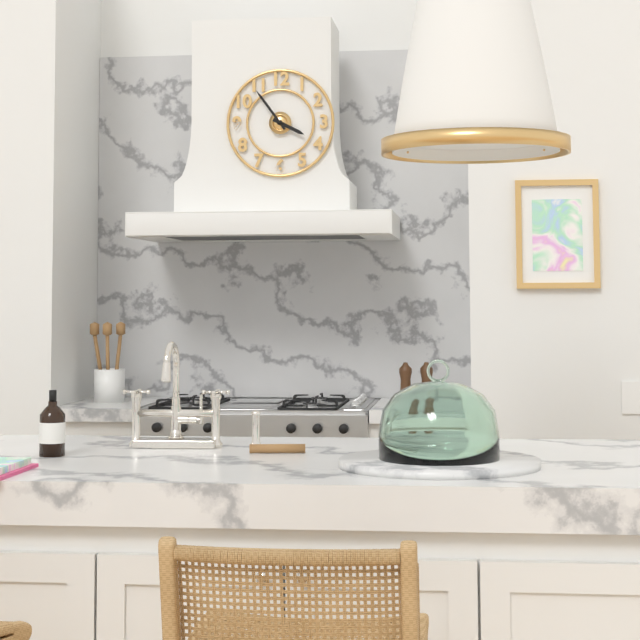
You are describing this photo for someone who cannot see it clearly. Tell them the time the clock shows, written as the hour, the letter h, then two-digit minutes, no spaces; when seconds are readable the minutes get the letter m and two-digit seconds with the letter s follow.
3h54
